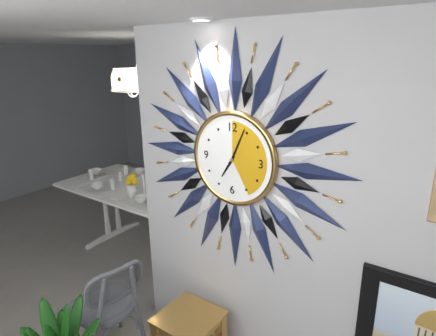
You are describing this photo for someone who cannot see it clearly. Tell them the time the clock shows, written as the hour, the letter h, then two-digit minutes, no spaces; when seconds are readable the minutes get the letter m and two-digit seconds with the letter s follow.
7h04
